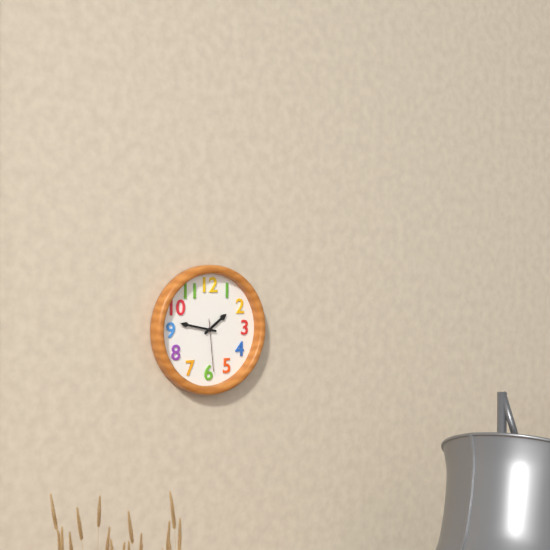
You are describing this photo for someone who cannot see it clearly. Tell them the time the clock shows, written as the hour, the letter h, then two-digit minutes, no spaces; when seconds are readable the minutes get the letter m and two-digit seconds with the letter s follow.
1h47m29s
